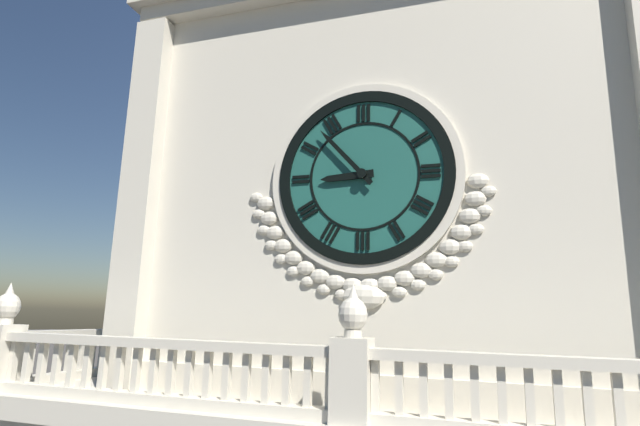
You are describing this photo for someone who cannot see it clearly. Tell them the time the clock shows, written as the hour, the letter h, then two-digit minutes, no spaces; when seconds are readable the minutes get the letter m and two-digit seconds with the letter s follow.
8h53
